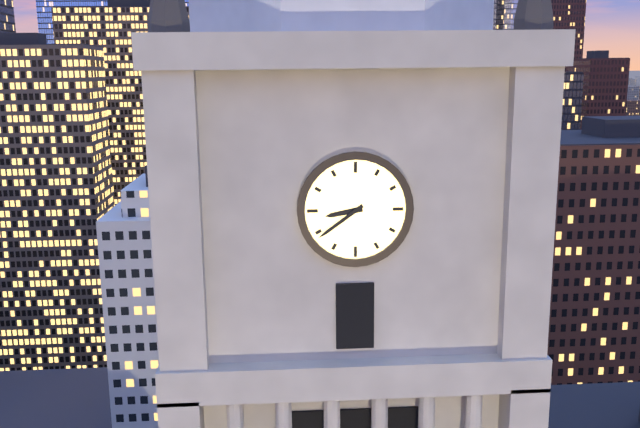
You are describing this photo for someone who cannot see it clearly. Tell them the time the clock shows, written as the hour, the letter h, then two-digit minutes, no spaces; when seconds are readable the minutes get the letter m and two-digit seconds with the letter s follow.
8h39
